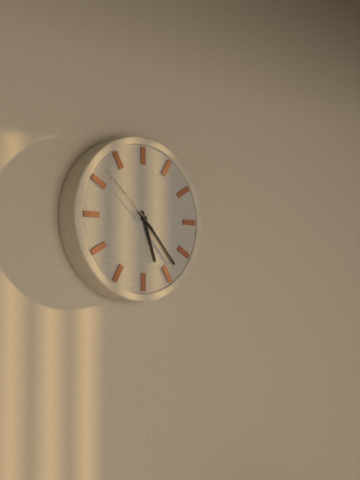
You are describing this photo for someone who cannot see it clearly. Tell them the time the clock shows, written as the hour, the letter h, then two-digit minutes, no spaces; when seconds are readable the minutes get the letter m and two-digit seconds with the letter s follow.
5h23m52s
